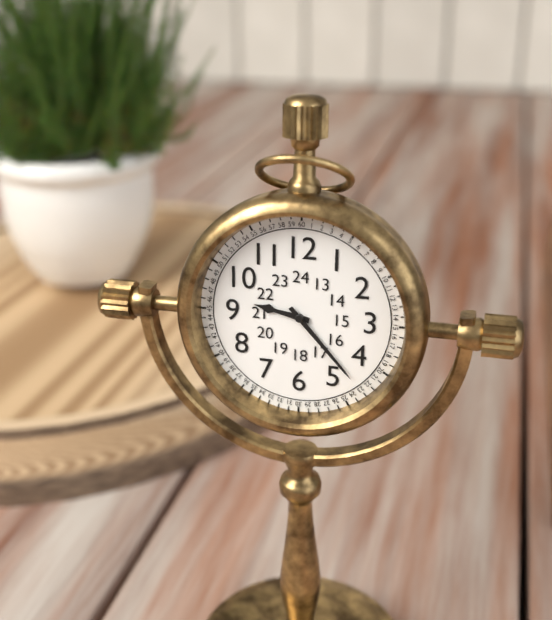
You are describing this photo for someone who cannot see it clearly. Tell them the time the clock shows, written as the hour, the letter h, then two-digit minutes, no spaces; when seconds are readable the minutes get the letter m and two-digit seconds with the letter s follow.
9h23
